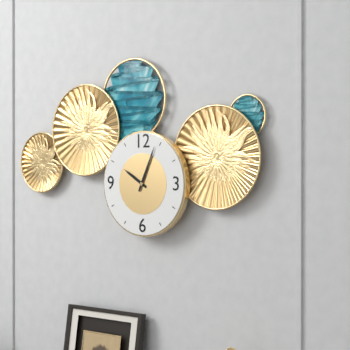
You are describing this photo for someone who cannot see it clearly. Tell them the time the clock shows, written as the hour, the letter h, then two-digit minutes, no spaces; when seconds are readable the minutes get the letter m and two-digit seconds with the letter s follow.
10h04
